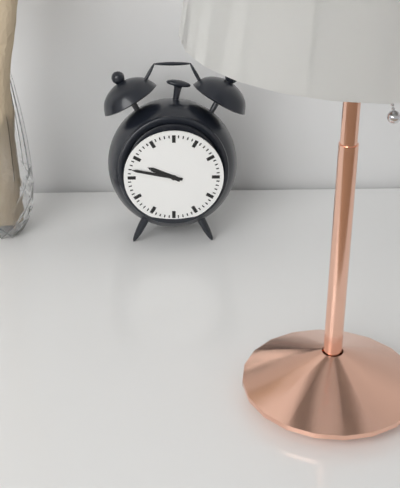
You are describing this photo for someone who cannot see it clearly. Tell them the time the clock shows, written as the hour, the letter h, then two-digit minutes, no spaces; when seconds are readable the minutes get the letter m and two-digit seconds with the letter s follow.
9h47
